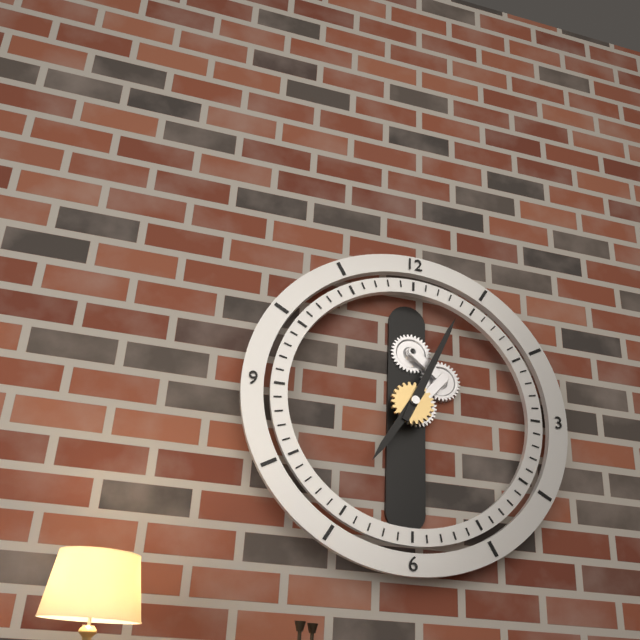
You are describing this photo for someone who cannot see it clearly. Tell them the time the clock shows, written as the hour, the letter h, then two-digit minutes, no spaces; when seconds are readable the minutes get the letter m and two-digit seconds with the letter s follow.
7h04
